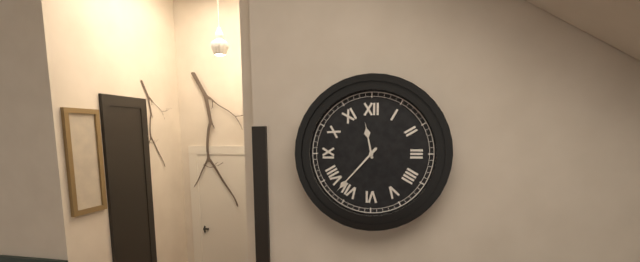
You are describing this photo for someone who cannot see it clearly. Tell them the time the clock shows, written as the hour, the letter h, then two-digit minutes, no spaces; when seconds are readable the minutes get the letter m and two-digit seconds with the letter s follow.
11h37
